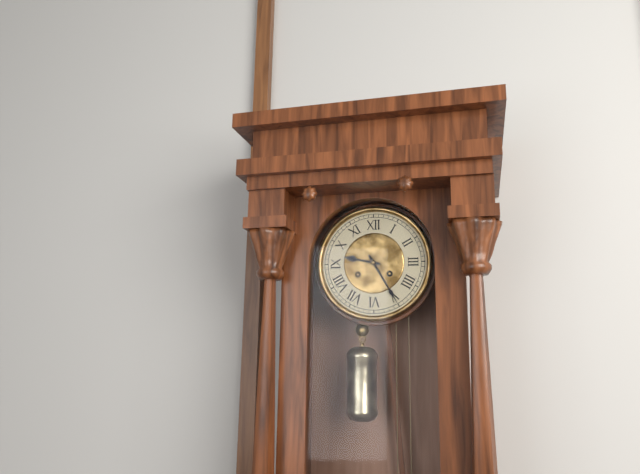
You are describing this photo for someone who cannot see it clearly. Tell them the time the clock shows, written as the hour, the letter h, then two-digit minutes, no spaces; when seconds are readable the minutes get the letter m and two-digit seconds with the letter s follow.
9h25
